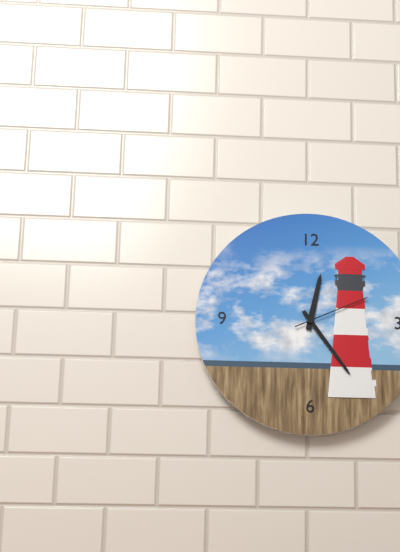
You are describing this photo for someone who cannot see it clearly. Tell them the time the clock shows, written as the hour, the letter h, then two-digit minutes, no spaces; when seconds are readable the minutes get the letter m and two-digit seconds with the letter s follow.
12h24m11s
